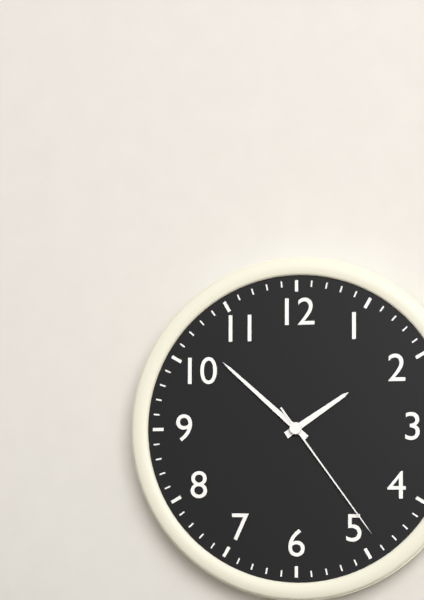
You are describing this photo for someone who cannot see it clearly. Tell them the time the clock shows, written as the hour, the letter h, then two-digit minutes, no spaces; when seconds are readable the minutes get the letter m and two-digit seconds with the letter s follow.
1h52m24s
